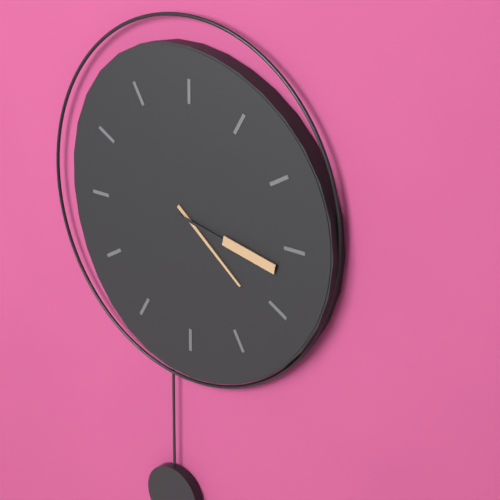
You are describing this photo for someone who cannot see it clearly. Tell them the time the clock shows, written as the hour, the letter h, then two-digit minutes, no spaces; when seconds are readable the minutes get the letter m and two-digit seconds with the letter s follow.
4h17
